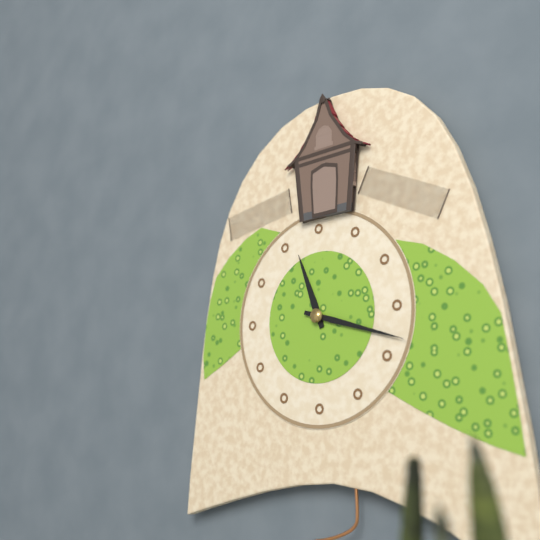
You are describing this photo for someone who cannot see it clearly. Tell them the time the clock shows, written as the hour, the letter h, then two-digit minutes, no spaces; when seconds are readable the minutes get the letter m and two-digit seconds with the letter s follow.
11h18
